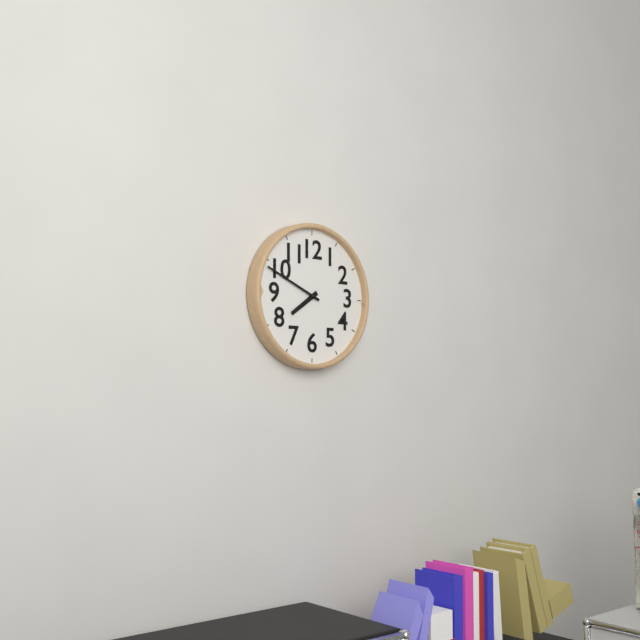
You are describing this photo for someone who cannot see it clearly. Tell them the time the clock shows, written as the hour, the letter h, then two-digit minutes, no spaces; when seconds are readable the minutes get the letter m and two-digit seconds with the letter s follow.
7h49
